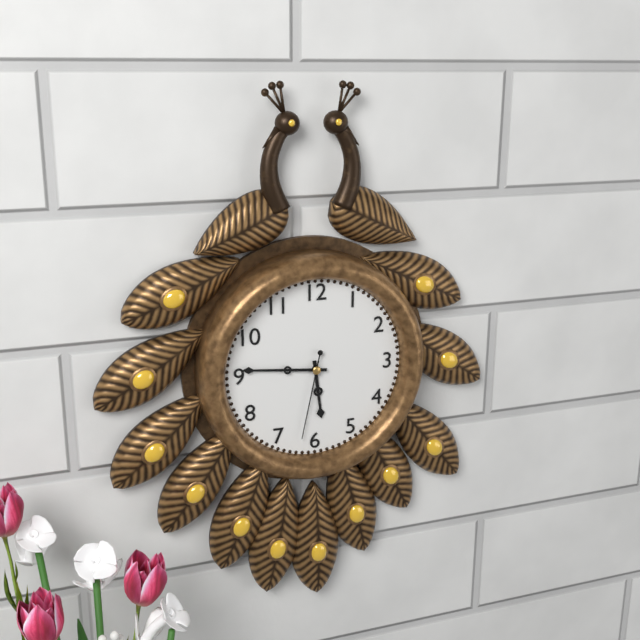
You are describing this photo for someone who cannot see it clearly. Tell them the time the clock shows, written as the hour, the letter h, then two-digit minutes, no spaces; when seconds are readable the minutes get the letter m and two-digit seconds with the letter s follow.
5h46m32s
